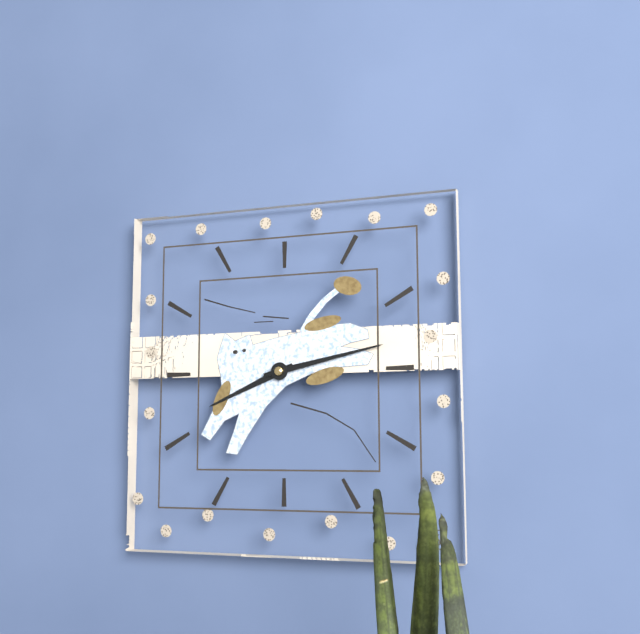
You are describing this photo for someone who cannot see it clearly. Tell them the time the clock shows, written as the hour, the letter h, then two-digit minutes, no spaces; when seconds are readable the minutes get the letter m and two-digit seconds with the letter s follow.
8h13
